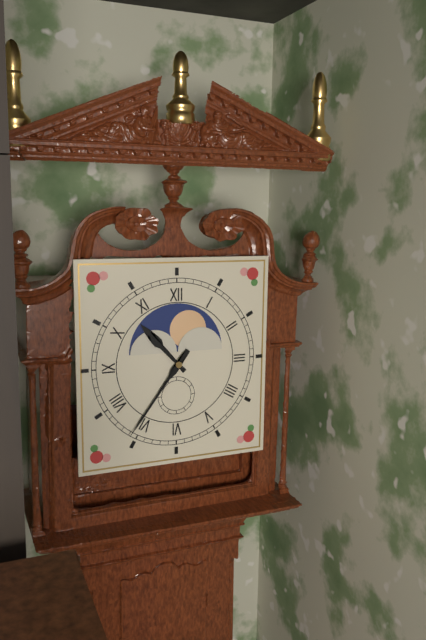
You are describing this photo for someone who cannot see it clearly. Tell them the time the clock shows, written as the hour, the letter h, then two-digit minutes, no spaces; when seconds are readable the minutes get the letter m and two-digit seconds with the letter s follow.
10h36
